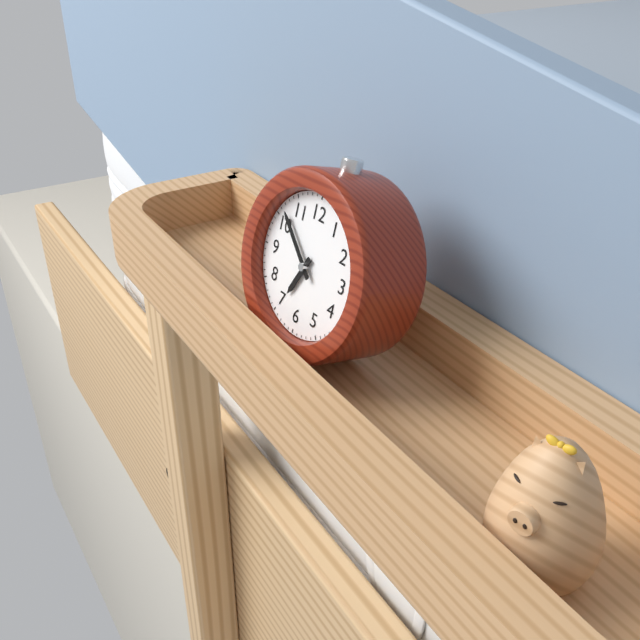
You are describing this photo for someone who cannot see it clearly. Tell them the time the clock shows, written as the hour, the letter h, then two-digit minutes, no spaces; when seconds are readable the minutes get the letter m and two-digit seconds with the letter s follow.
6h52
